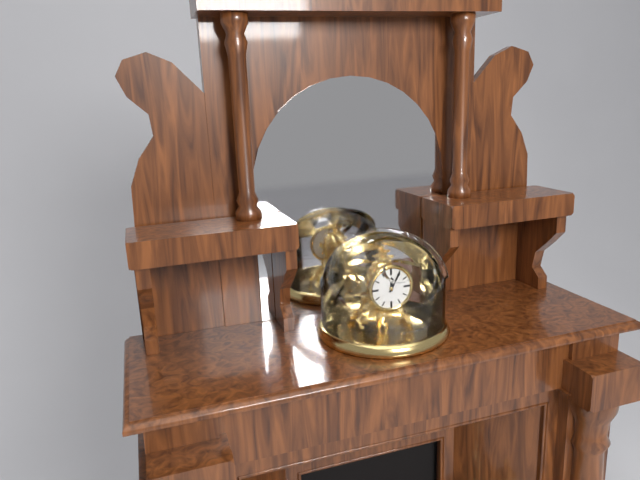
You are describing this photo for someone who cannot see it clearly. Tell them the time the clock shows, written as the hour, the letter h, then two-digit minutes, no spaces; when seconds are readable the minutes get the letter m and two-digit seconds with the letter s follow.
12h05
